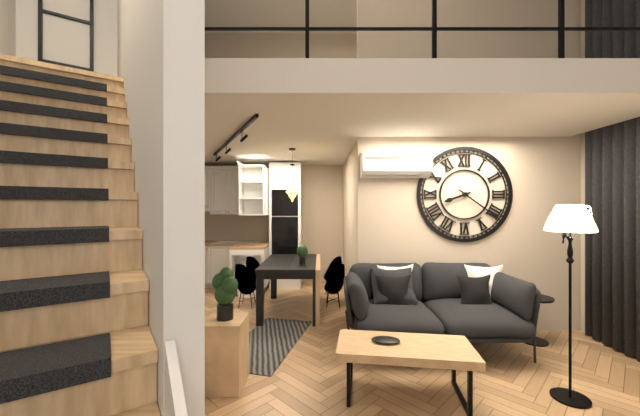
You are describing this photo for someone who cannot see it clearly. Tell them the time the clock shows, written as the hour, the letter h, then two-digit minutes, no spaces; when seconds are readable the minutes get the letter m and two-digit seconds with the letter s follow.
8h21
